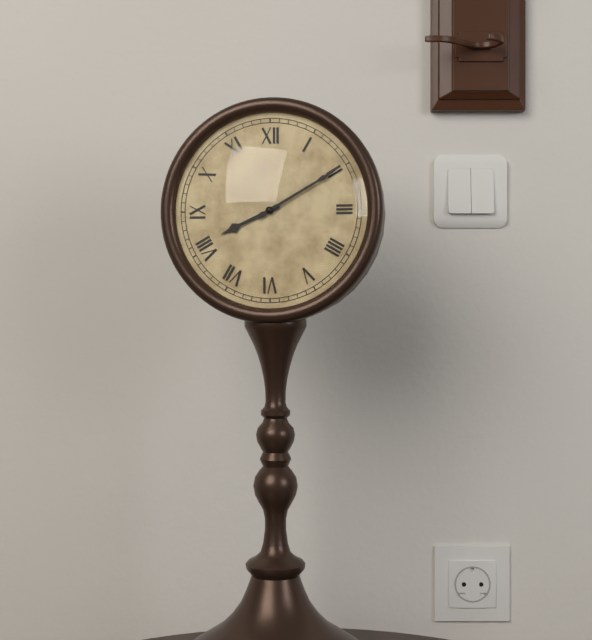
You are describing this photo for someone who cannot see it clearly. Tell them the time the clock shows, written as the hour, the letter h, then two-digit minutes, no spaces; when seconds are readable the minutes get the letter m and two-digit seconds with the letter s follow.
8h10
